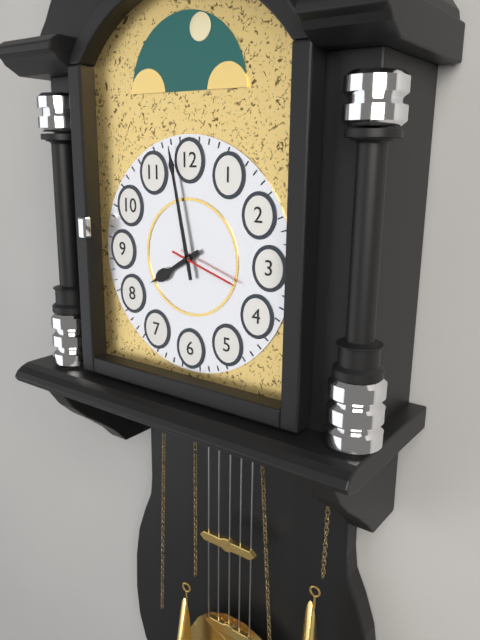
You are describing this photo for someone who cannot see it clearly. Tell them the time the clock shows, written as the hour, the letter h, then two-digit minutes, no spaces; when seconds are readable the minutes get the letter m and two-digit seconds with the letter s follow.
7h58m18s
